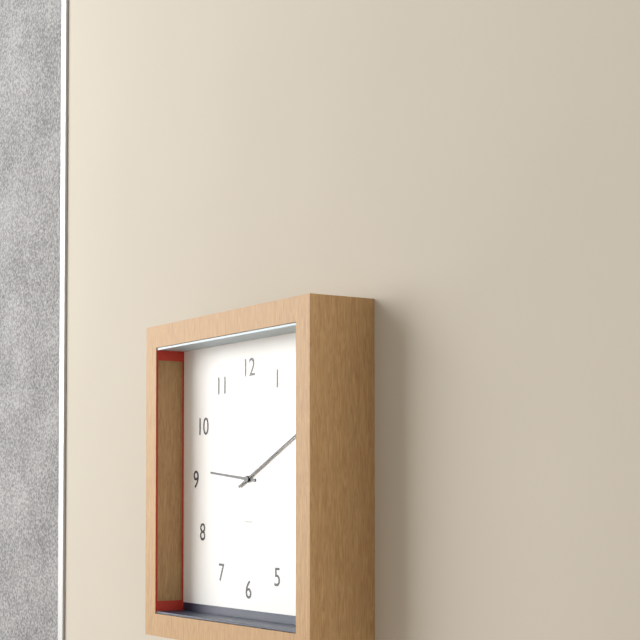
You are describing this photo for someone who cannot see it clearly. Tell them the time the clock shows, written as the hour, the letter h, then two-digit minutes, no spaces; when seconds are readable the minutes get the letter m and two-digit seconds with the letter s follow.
9h11
